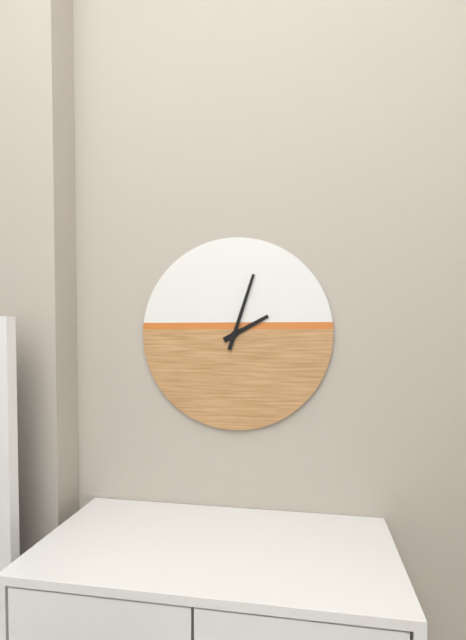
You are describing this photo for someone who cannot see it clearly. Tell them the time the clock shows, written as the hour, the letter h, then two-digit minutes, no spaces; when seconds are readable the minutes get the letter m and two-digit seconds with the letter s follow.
2h03
